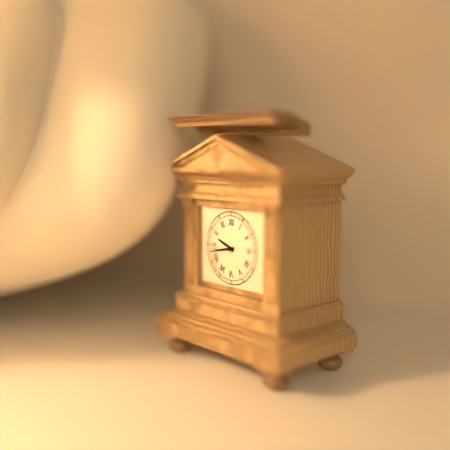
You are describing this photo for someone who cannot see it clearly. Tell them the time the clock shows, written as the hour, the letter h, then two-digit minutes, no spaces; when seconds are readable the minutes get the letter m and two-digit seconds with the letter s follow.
9h43
